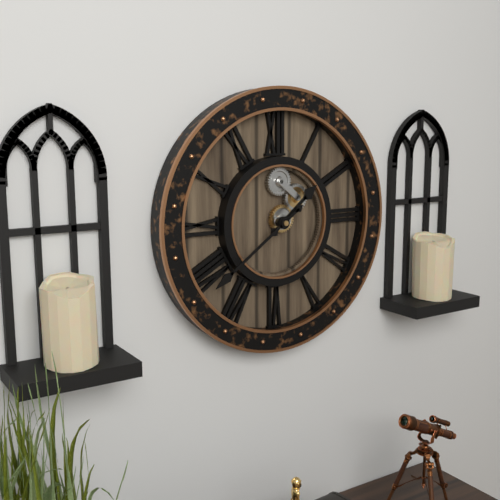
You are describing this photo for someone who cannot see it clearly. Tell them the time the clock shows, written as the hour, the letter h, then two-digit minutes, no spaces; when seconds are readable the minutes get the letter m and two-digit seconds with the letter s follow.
1h39
